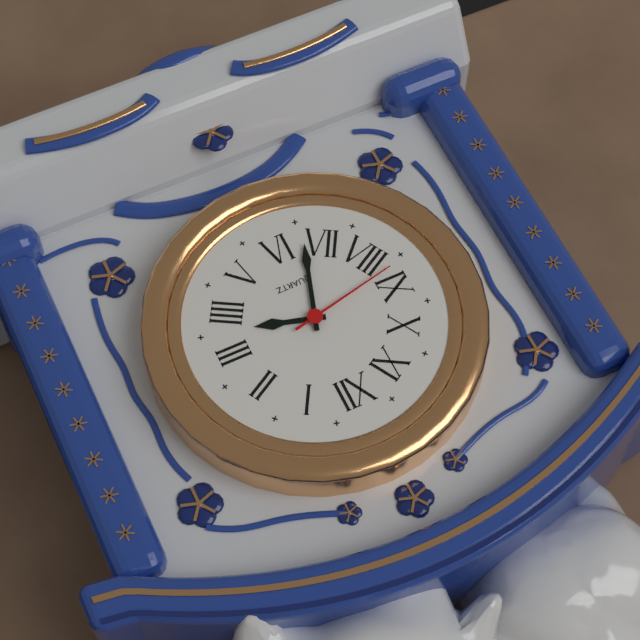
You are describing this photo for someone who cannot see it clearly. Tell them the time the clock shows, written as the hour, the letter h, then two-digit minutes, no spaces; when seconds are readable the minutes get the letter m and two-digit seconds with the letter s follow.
3h33m43s
